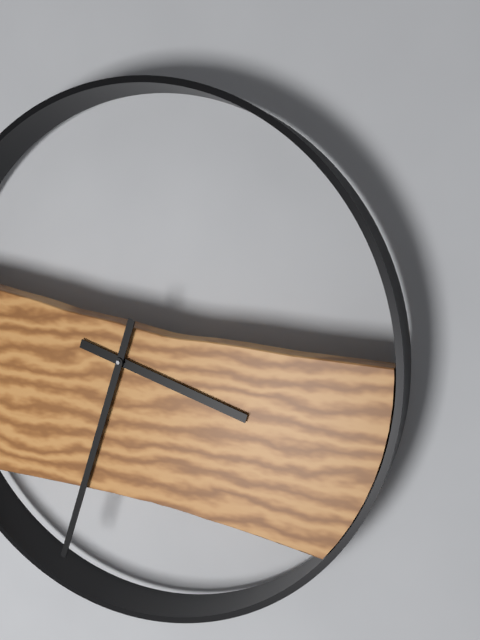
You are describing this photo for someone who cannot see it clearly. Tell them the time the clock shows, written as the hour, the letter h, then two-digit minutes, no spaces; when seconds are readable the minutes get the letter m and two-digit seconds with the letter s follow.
3h33
